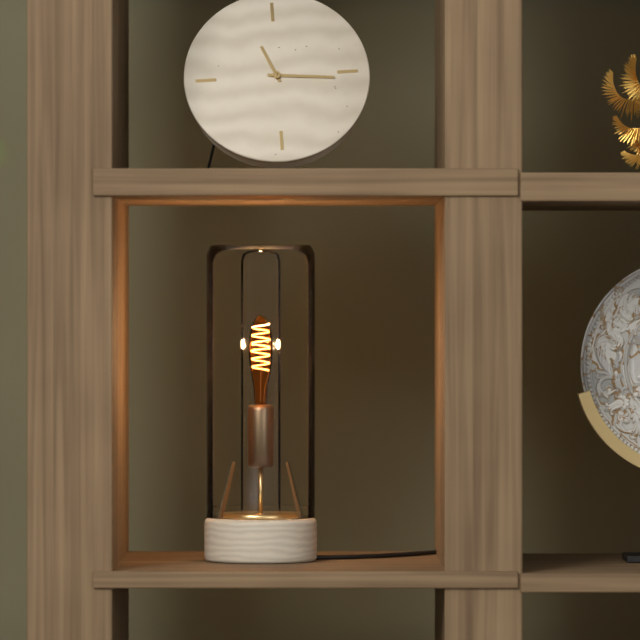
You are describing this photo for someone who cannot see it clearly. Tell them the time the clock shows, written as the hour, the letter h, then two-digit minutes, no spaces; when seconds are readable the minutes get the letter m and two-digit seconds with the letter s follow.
11h16
